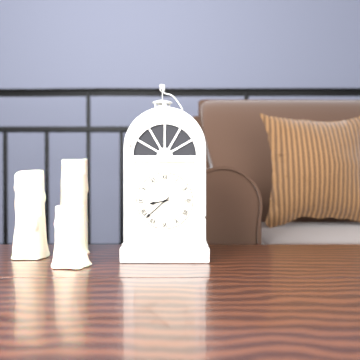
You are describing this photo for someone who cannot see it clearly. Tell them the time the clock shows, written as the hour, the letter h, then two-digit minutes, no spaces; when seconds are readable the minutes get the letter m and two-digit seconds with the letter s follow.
8h38
